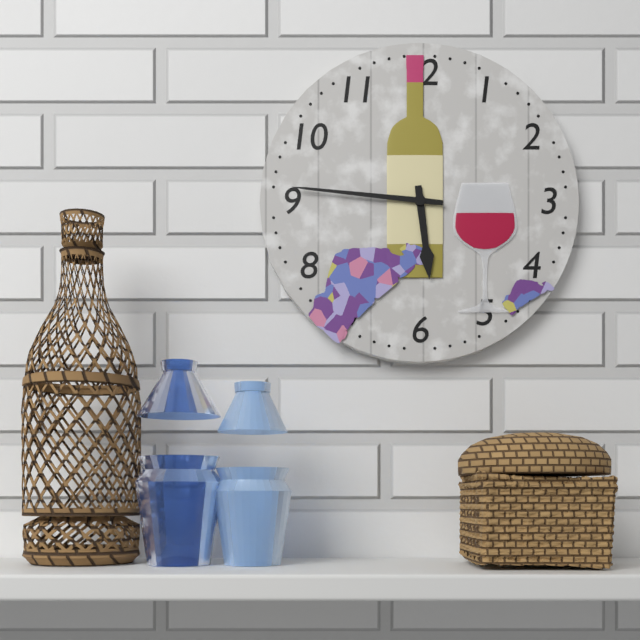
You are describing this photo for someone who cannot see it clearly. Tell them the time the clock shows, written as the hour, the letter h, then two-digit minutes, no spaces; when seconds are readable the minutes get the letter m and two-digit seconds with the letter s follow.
5h46
